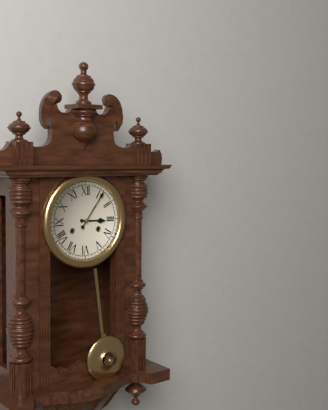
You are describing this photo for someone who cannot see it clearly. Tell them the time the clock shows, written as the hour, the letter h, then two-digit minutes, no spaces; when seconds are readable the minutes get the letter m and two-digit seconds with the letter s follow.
3h06
